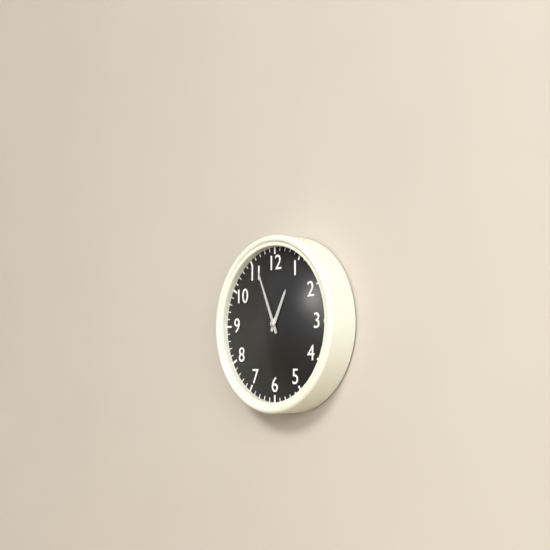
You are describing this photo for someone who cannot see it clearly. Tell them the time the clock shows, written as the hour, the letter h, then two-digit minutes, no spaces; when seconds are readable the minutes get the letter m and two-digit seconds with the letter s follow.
12h56
